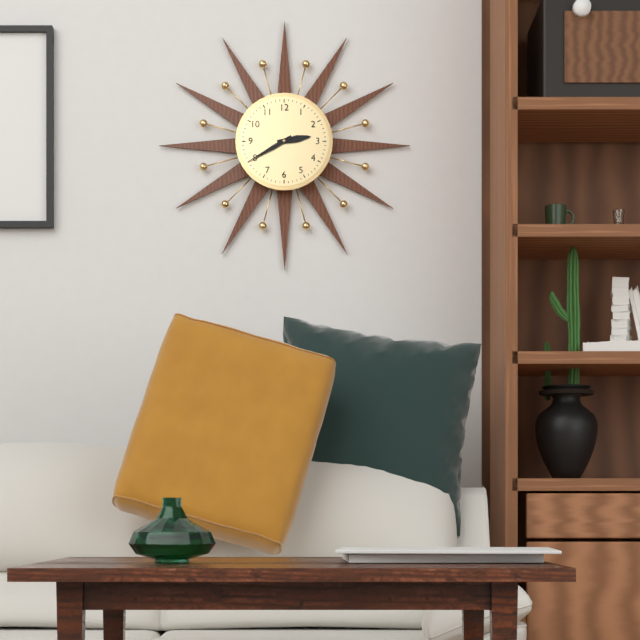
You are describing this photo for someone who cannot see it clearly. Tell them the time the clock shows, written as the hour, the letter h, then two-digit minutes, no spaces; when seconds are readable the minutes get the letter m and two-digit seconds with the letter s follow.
2h40
